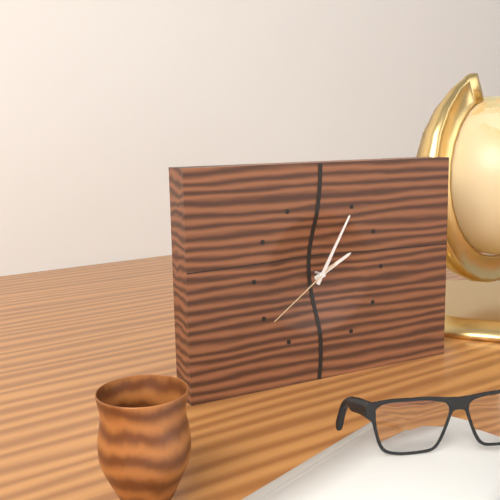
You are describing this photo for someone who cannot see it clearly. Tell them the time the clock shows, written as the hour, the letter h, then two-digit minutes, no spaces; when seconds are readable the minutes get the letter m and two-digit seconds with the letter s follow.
2h05m39s
